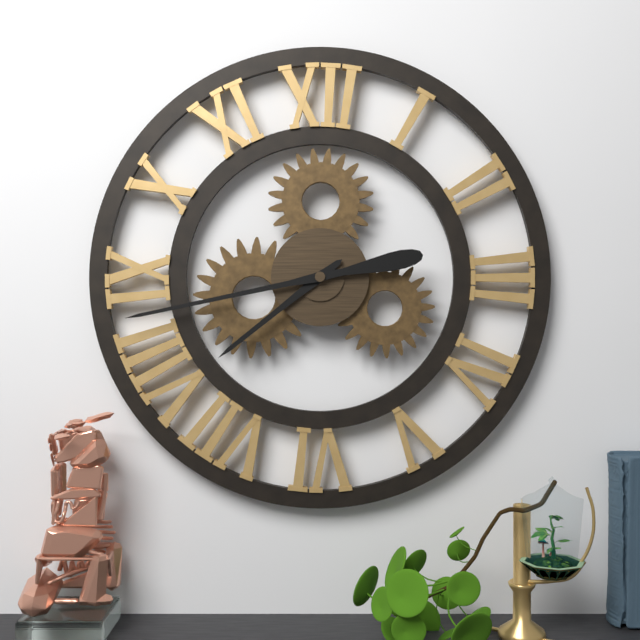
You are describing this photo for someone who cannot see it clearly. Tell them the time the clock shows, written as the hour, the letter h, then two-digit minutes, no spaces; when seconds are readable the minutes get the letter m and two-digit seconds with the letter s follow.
7h43
